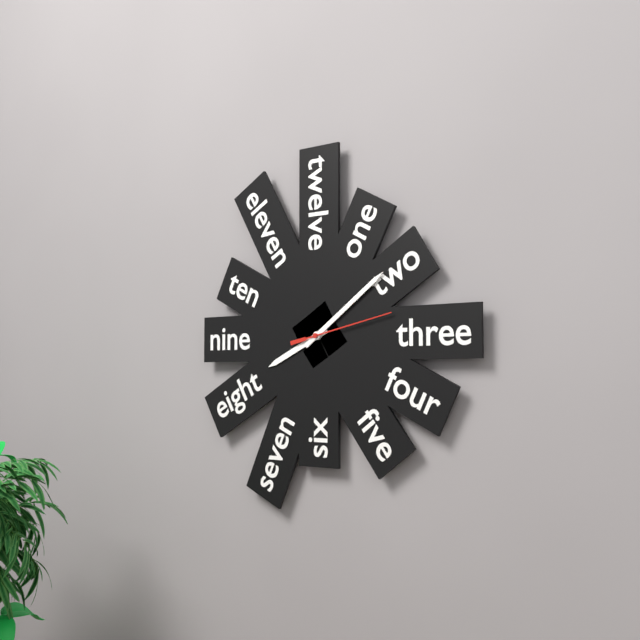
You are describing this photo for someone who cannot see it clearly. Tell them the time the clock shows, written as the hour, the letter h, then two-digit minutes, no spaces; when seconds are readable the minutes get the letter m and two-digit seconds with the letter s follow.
8h09m13s
